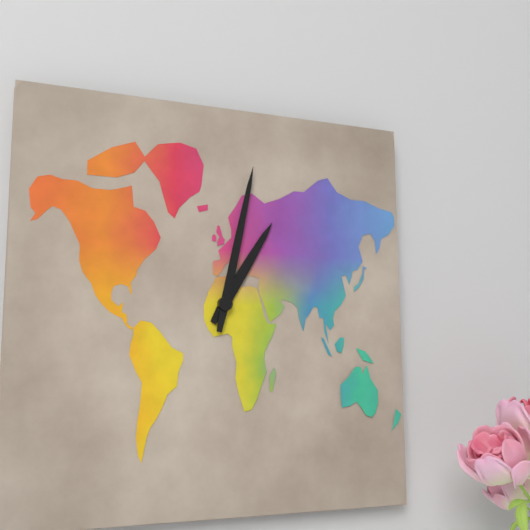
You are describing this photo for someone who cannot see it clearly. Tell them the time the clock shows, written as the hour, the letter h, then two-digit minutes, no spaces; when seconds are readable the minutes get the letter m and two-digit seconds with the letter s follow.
1h02
